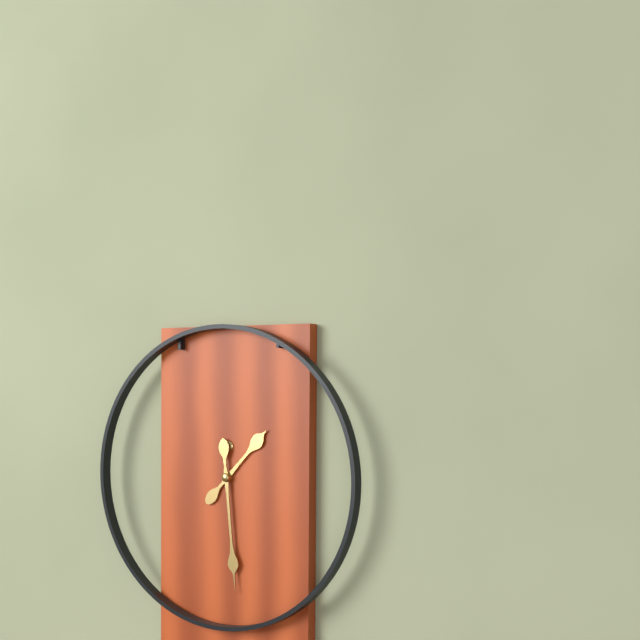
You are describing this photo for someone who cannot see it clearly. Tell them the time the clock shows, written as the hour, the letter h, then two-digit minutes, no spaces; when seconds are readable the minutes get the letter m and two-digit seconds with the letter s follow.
1h29
